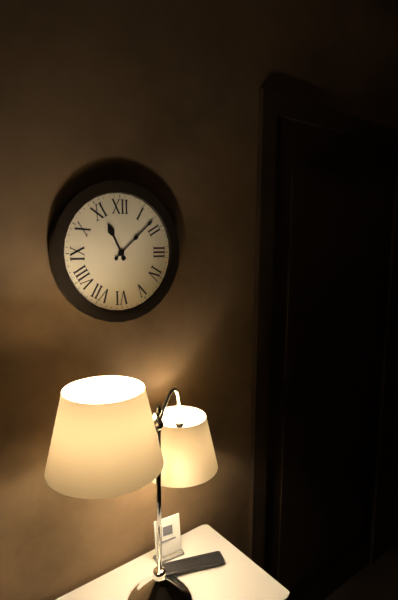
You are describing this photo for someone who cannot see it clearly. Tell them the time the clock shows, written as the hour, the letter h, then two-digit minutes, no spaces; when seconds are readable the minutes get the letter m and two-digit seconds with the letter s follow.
11h08
